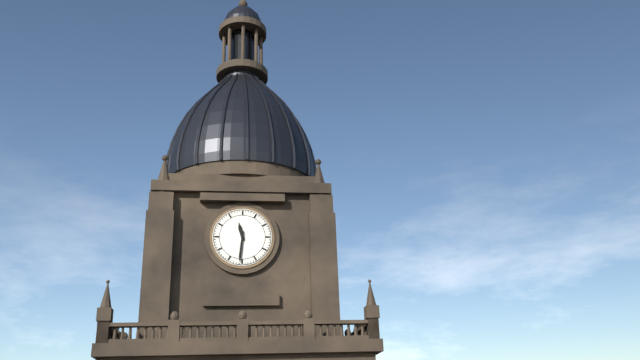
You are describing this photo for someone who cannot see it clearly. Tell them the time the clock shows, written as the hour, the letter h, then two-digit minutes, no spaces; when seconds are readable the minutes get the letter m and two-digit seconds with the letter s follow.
11h31
